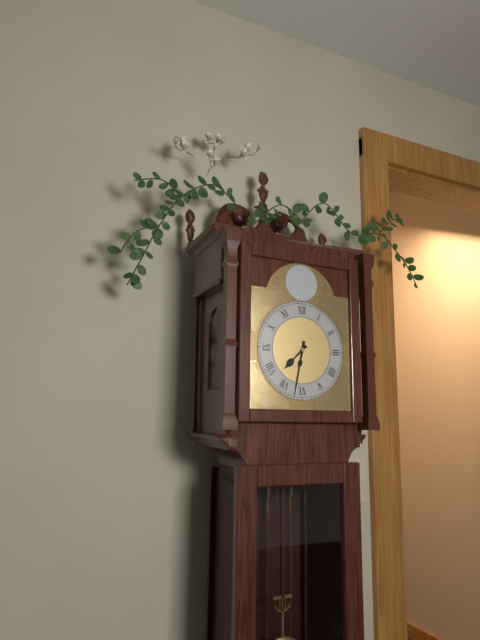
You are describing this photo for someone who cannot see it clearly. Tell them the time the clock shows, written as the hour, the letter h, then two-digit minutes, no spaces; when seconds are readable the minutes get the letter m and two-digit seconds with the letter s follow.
7h32
